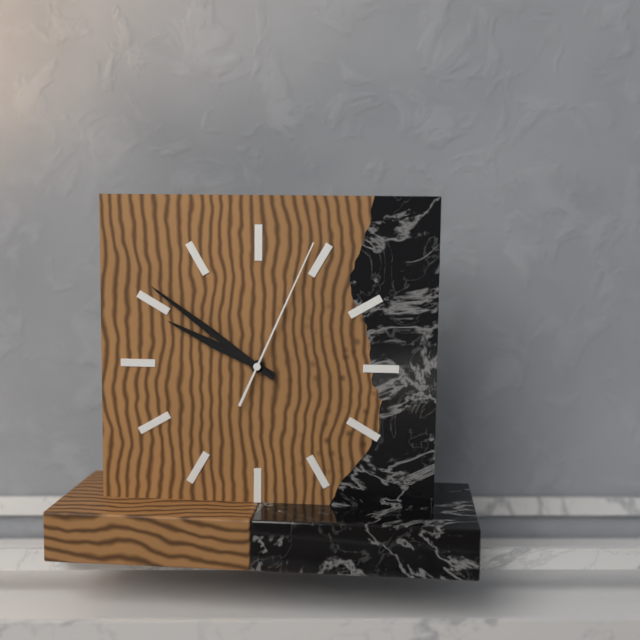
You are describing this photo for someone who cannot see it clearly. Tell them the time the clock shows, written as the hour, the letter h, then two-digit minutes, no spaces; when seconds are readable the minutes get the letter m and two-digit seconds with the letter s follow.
9h51m04s
